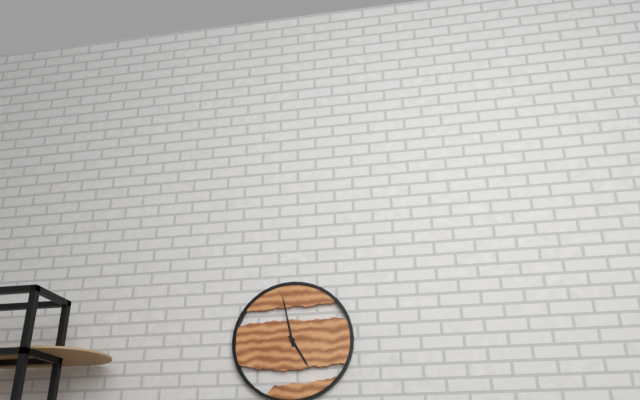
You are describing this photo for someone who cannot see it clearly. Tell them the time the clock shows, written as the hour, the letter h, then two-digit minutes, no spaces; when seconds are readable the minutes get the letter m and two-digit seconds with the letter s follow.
4h58
